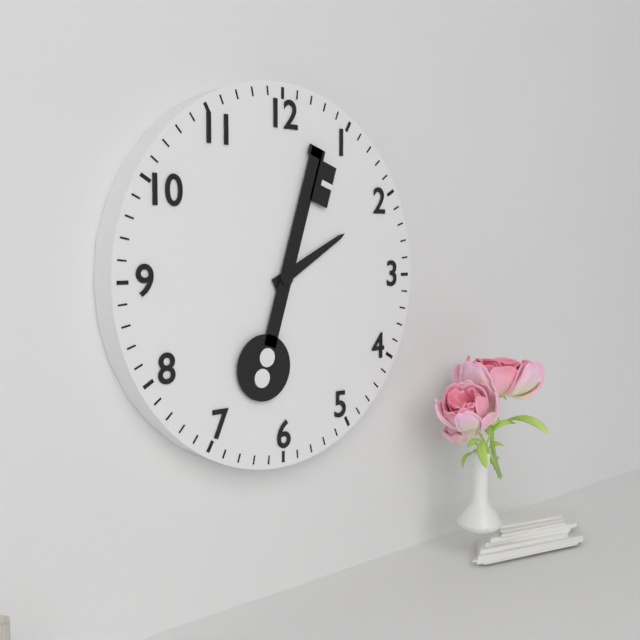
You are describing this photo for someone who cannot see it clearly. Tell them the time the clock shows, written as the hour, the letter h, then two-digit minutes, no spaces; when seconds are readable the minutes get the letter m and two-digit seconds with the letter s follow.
2h03
